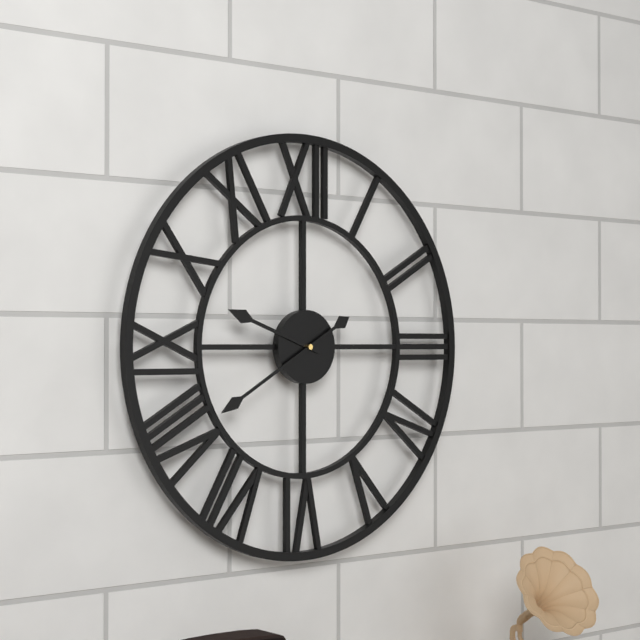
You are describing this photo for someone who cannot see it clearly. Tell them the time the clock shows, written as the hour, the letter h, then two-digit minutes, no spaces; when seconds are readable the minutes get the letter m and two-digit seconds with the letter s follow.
9h40
